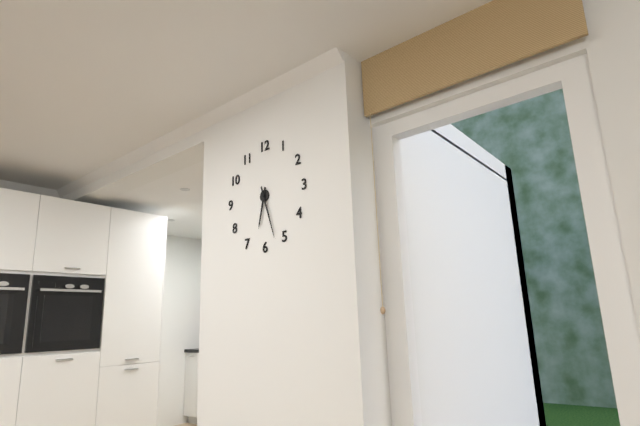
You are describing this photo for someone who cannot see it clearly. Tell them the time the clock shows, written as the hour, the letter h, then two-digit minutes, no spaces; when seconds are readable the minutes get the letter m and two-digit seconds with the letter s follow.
6h27
